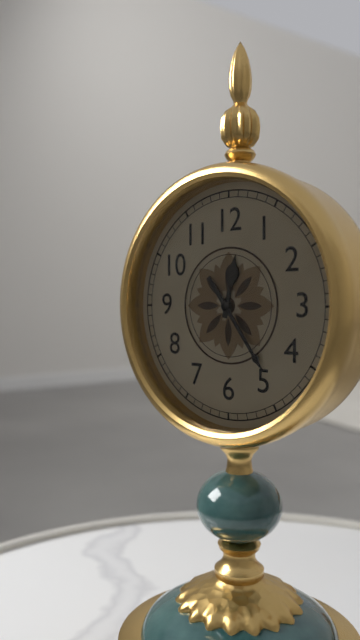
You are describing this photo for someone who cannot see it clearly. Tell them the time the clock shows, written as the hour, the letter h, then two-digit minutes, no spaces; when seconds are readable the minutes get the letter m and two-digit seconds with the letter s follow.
12h24
